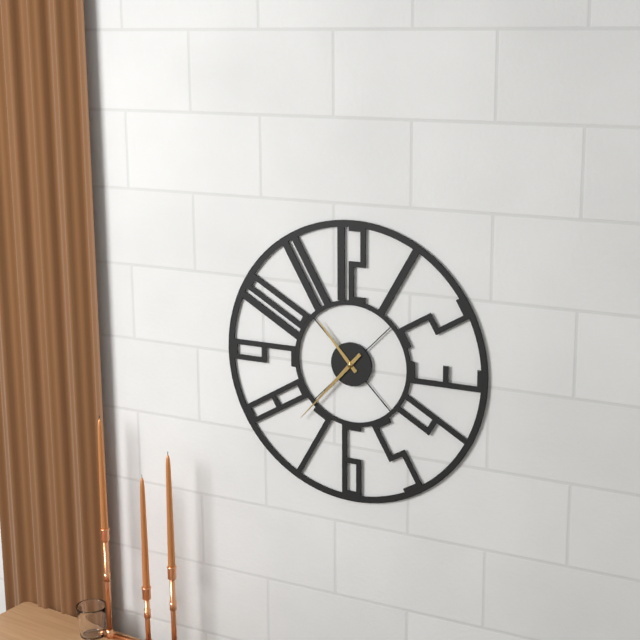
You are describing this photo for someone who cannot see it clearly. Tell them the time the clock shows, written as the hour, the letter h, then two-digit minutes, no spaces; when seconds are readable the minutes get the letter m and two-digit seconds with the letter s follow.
10h37
